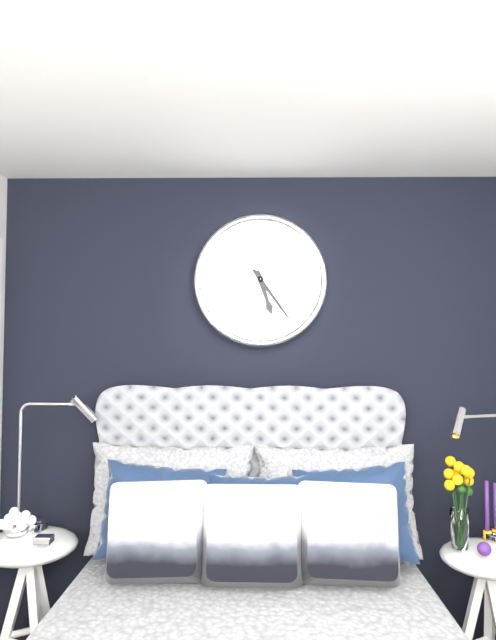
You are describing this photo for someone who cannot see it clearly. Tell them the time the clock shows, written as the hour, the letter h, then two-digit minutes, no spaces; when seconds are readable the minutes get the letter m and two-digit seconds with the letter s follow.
5h24
